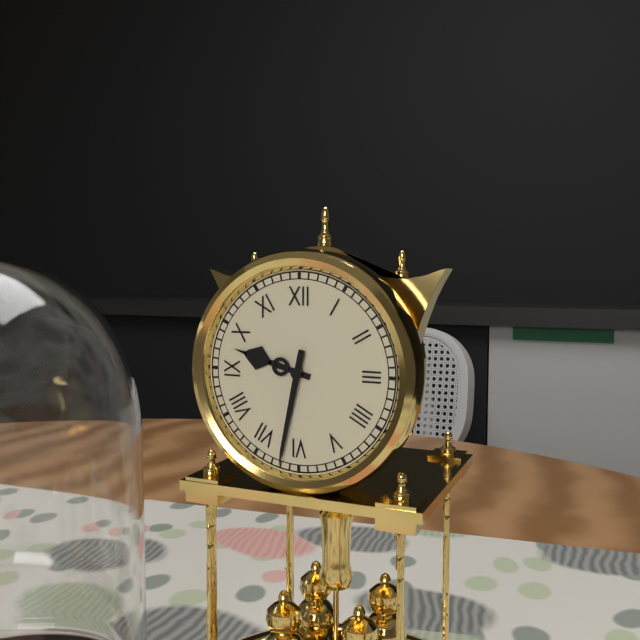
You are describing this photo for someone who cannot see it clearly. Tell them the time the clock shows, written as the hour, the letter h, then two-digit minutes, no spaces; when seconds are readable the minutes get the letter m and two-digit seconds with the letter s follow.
9h32
